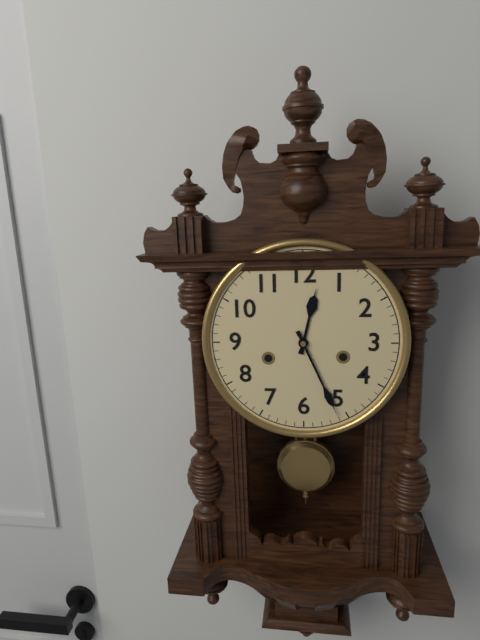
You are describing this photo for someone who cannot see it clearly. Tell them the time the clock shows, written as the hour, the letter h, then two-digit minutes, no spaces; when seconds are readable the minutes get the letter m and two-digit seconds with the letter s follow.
12h26
